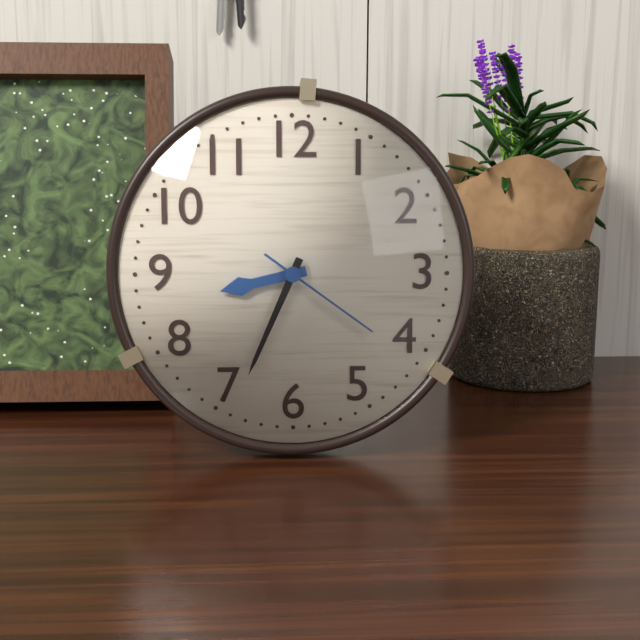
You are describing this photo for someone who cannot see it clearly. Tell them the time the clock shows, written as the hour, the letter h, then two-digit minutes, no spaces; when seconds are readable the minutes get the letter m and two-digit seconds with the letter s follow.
8h34m21s
